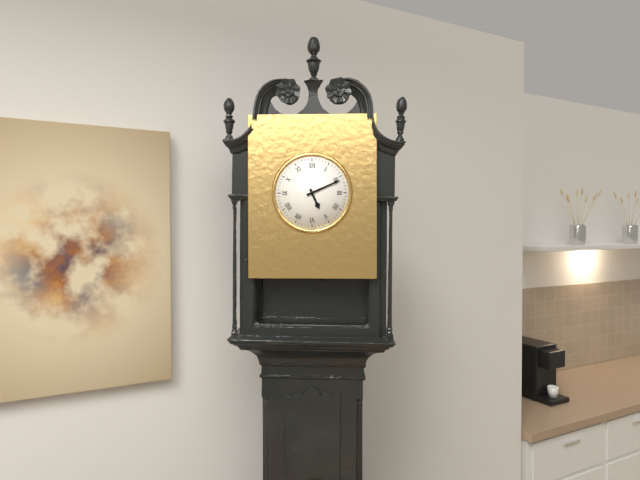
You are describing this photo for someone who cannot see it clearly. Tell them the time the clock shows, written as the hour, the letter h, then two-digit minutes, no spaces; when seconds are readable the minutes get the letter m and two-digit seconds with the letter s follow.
5h11
